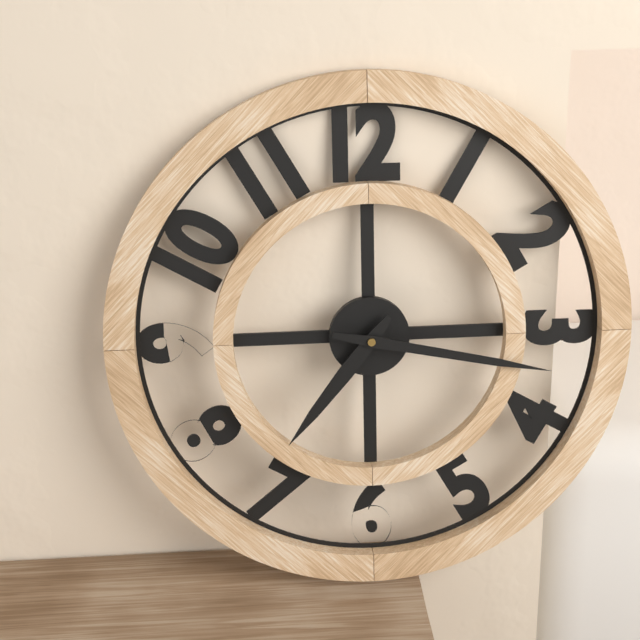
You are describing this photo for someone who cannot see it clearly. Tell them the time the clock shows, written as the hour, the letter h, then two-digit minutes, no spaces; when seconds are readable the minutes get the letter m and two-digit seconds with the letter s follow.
7h17
